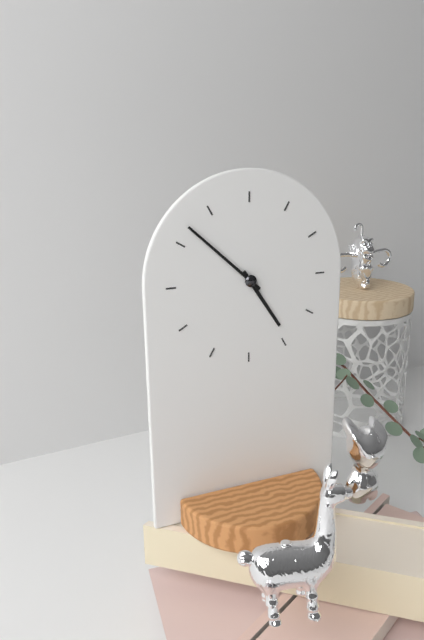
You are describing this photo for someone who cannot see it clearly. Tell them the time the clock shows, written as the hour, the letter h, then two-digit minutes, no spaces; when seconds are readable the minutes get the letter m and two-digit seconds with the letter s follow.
4h52
